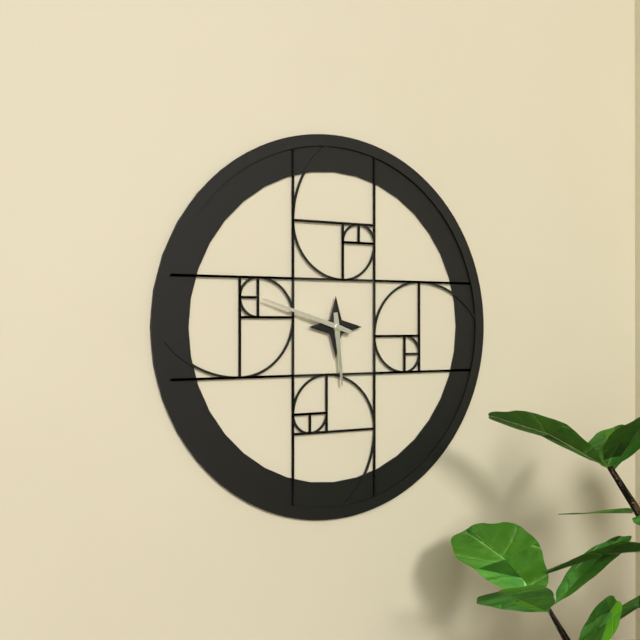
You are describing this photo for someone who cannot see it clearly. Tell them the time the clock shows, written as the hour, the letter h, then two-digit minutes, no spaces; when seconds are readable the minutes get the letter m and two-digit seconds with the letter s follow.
5h48
